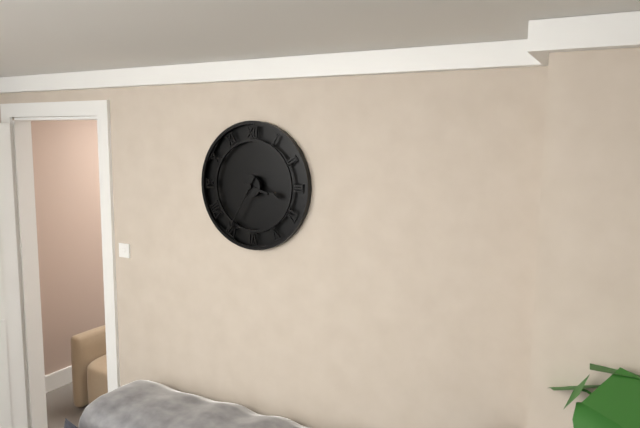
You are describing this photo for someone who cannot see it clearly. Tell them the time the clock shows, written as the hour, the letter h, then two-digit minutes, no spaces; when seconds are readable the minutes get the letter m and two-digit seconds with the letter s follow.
3h35
